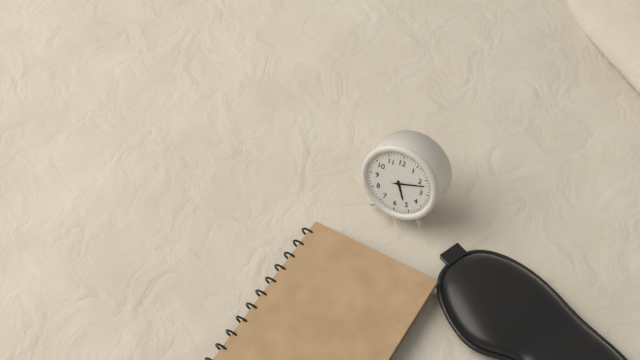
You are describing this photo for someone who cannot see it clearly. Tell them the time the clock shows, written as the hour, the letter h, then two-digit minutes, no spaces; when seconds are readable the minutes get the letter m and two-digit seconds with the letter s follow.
5h12
